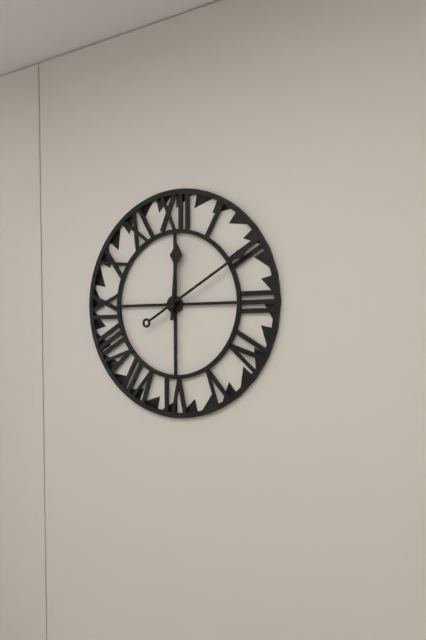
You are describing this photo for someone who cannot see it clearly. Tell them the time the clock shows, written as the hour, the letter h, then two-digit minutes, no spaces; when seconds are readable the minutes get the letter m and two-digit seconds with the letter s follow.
12h10
